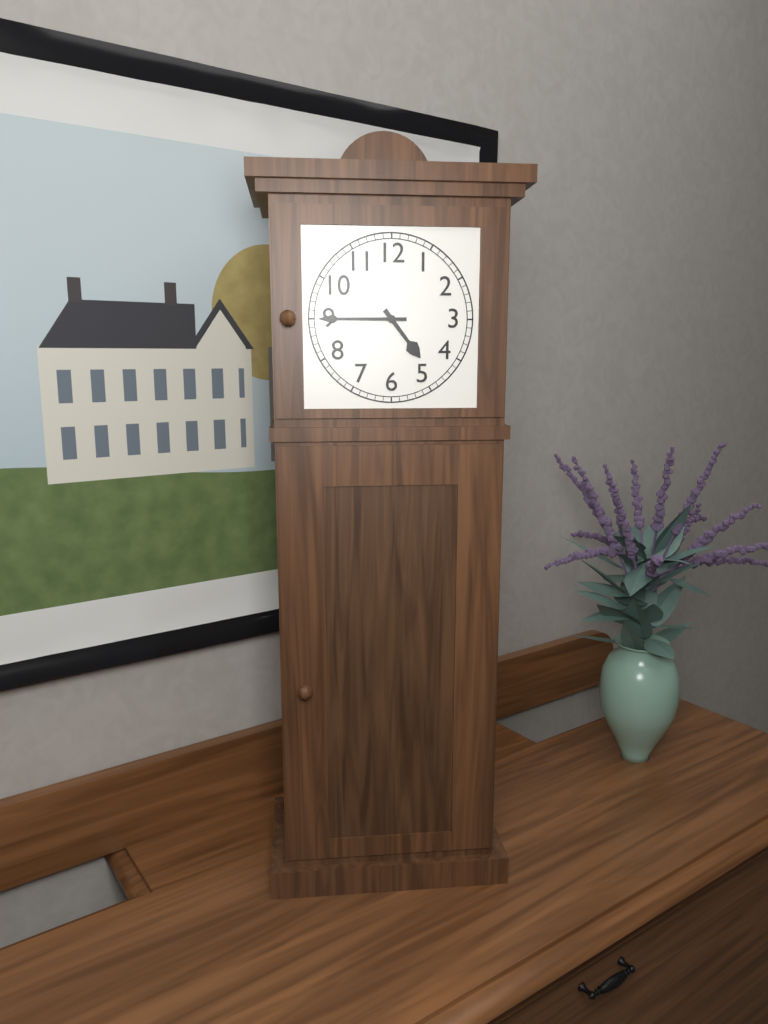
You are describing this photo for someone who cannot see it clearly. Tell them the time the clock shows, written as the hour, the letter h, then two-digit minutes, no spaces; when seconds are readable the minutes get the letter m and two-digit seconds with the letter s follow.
4h45
